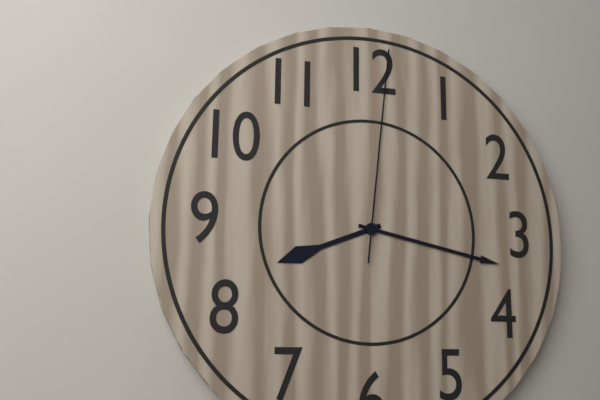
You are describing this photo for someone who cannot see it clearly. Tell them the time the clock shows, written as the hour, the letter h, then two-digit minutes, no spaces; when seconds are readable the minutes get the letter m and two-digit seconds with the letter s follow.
8h17m01s
